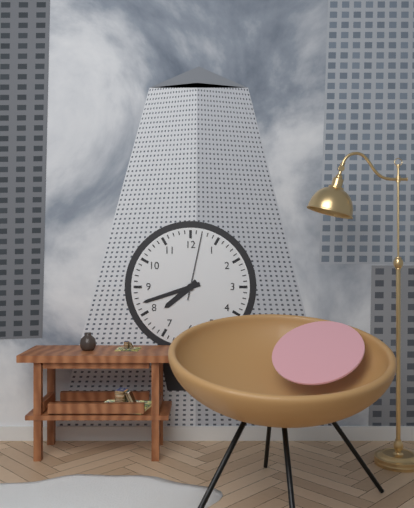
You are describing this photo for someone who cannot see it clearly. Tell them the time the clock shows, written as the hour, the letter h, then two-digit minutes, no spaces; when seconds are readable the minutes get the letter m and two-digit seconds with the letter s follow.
7h42m02s
